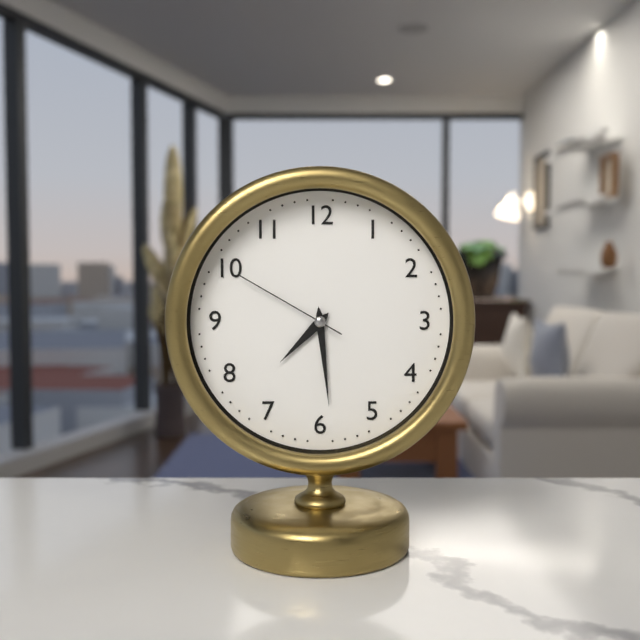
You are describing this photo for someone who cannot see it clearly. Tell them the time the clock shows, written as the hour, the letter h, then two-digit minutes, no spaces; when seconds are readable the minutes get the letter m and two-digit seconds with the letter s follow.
7h29m50s
